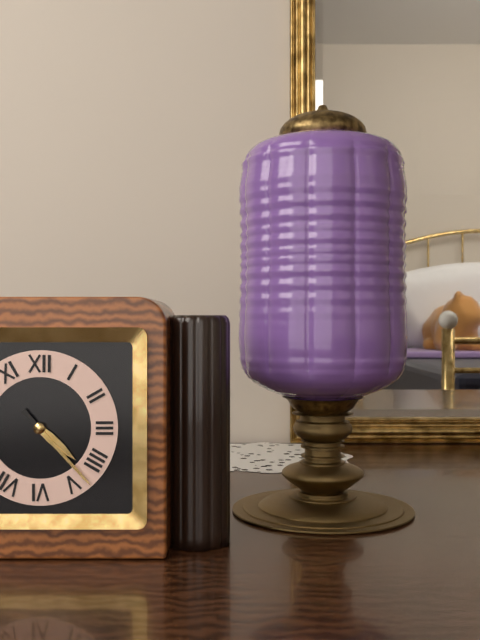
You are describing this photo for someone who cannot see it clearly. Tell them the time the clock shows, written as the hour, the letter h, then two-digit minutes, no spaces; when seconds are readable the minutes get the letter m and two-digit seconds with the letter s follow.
4h23
